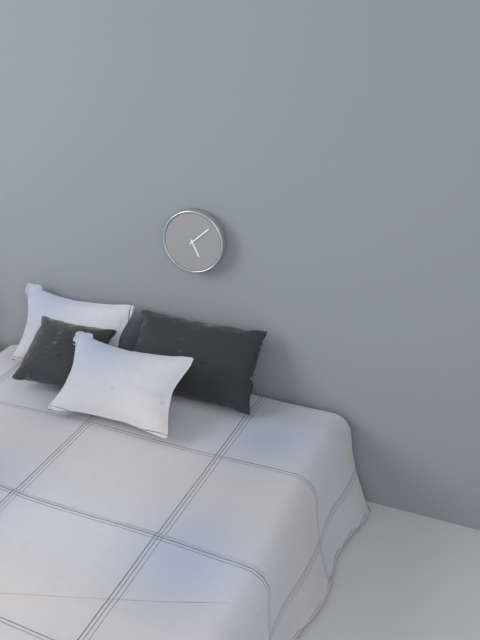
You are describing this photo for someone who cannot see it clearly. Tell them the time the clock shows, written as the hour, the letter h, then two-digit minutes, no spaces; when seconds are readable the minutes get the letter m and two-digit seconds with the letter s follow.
5h08
